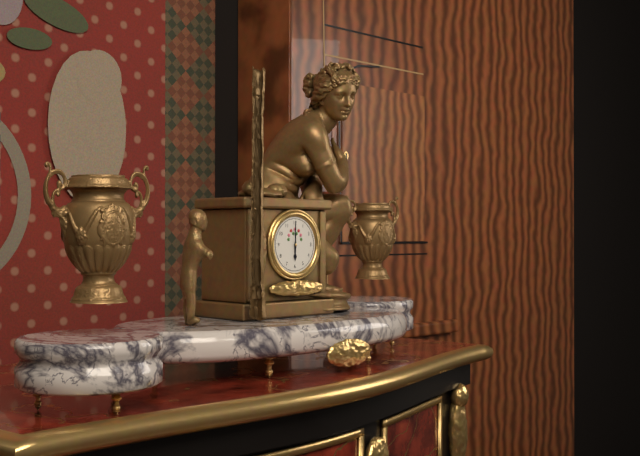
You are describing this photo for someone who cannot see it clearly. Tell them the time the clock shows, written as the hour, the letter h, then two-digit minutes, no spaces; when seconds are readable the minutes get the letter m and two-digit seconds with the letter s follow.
6h00
